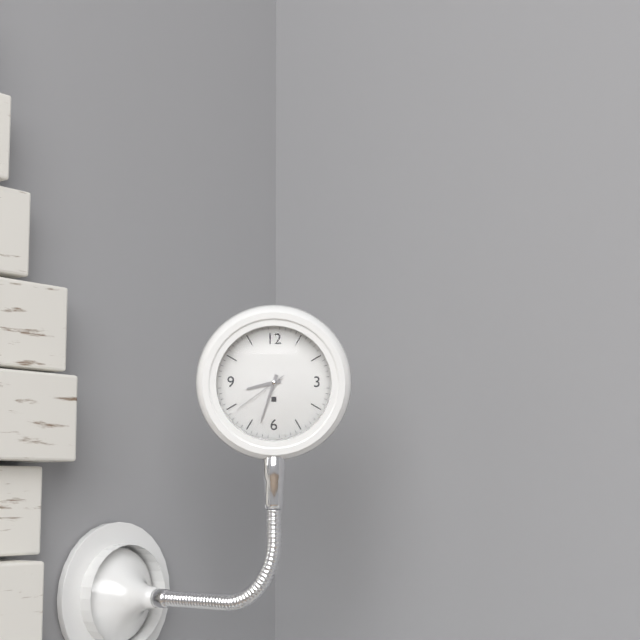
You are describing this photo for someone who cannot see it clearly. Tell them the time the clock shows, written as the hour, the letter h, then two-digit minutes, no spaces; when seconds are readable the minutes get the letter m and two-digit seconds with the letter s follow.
8h33m39s
